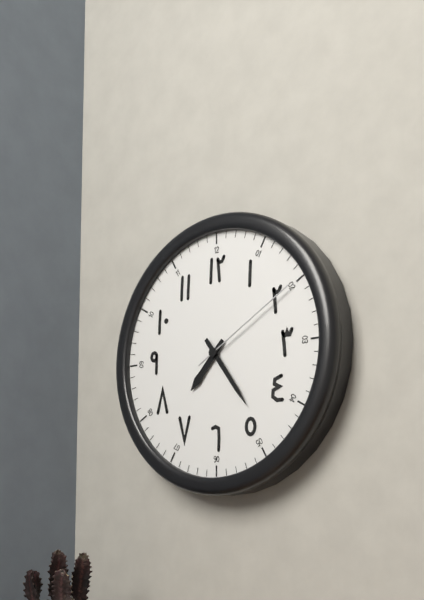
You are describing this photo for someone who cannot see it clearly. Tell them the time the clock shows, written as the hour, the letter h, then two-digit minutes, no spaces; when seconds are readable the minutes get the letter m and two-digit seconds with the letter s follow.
7h24m10s
